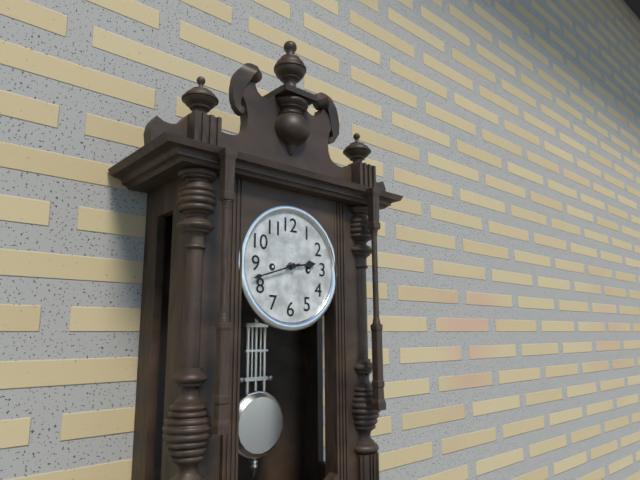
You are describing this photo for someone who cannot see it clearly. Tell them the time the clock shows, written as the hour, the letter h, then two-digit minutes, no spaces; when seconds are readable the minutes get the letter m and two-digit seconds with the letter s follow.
2h42
